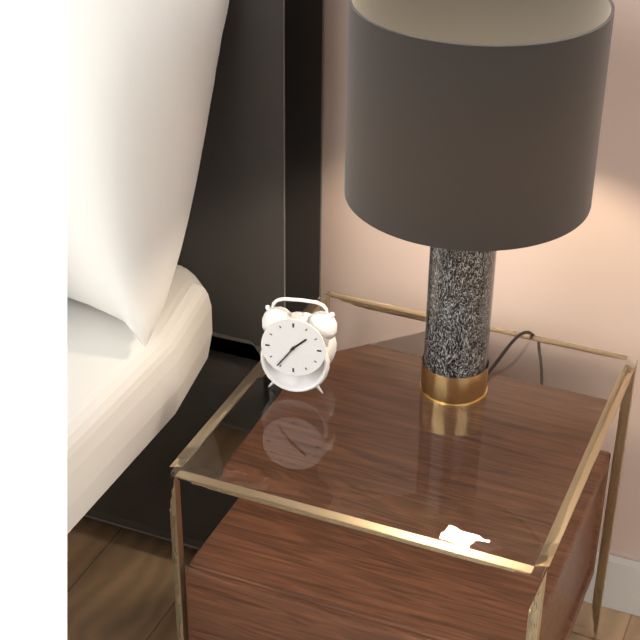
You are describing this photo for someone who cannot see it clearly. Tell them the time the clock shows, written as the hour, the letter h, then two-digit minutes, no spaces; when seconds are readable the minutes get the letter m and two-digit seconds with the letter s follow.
1h36
